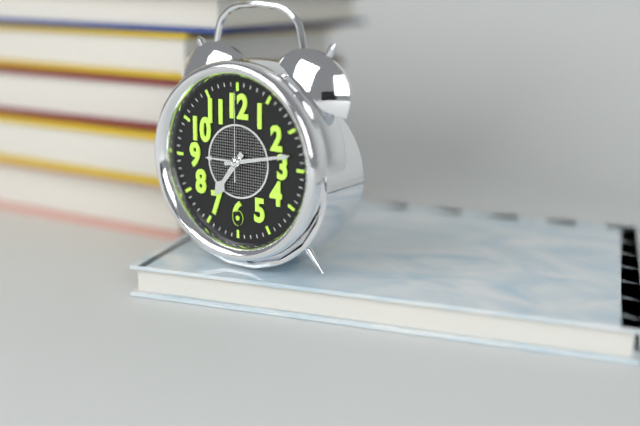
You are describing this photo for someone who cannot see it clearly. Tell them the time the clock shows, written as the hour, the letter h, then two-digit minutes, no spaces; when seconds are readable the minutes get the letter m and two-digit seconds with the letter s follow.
7h13m00s
